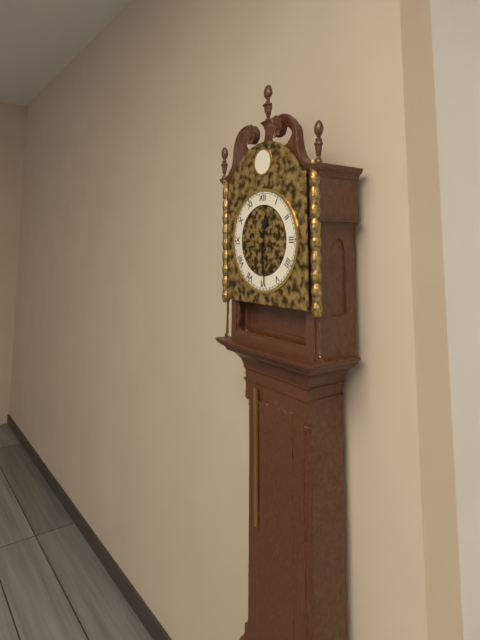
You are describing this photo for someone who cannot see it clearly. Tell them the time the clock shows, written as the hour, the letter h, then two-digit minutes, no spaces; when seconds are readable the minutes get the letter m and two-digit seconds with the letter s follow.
12h29
